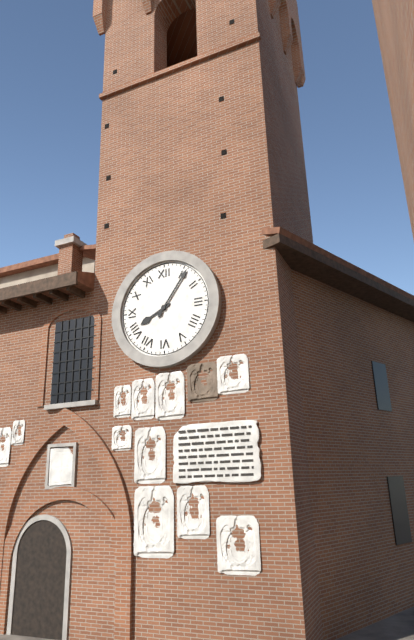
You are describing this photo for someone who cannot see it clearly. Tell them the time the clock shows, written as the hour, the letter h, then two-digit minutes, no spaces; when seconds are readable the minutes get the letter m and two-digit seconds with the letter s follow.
8h06
